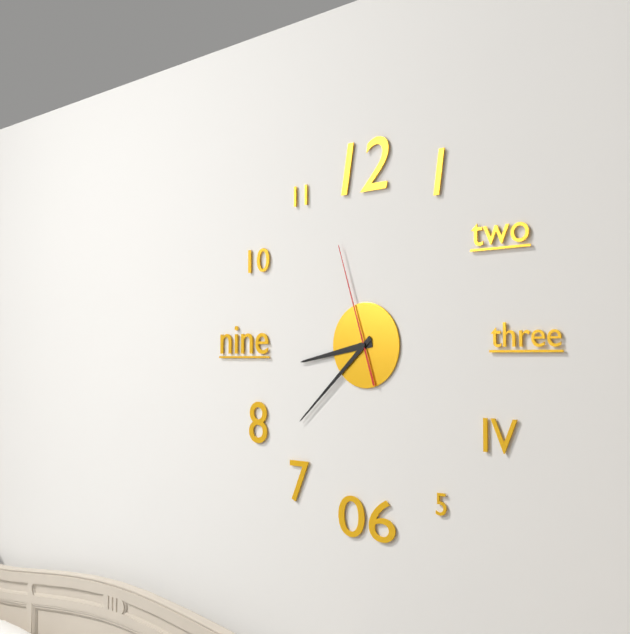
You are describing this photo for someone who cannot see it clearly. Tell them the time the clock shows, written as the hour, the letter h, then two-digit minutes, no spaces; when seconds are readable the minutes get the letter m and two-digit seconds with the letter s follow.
8h38m57s
